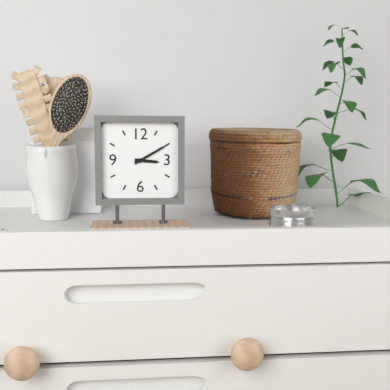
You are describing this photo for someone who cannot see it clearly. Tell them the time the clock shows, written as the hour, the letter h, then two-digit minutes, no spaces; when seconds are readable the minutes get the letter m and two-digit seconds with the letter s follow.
3h10
